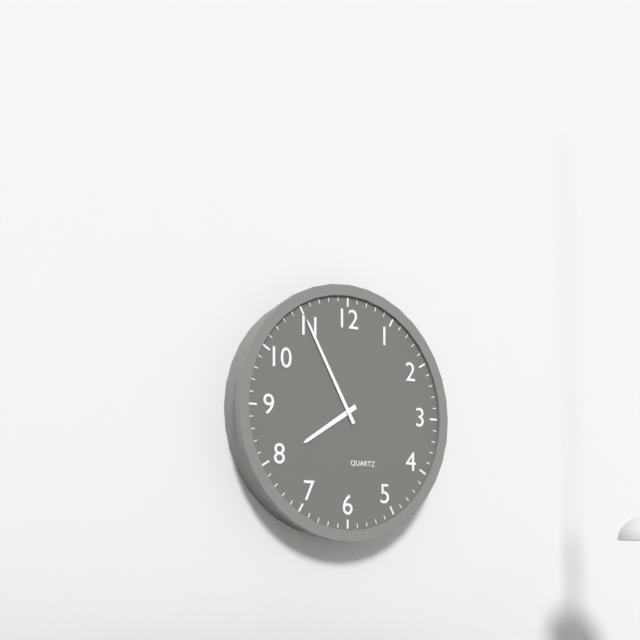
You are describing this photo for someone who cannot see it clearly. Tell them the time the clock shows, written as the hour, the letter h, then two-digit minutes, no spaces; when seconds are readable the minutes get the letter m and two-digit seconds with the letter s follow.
7h55
